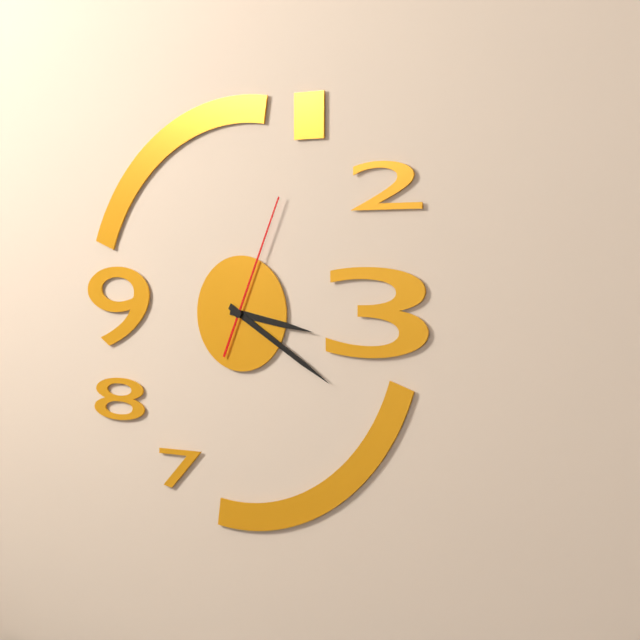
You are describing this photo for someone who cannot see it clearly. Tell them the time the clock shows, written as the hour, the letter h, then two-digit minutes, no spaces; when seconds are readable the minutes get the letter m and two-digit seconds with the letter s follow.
3h20m04s
